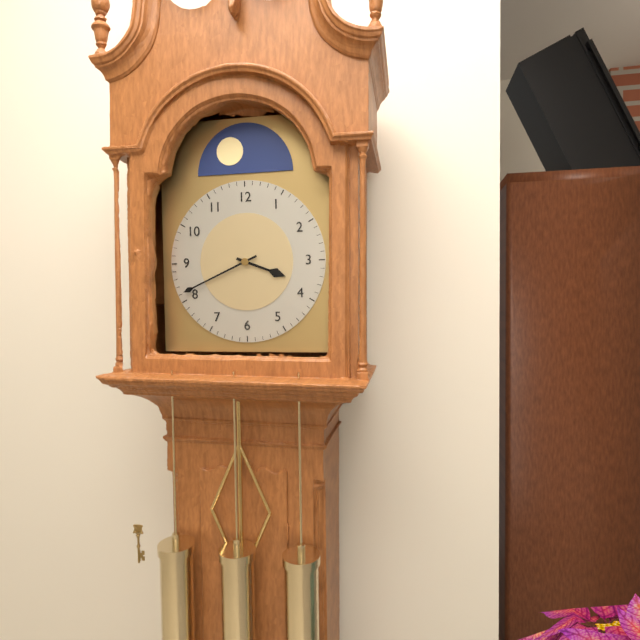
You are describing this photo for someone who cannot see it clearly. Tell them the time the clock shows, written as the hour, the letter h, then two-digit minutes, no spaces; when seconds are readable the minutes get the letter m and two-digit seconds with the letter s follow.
3h41
